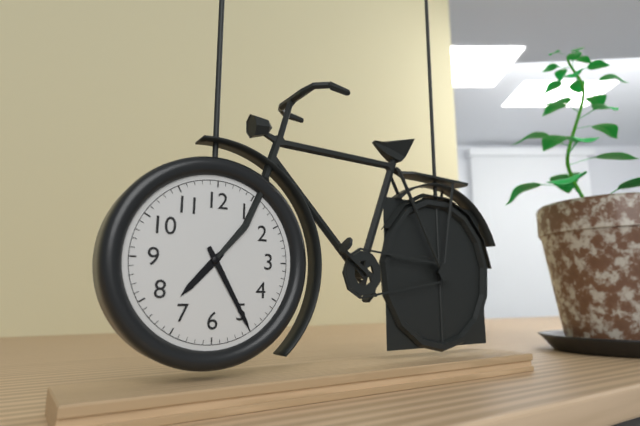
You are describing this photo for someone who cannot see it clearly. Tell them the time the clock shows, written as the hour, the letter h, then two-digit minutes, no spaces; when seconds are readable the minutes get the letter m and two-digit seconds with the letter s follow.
7h25
